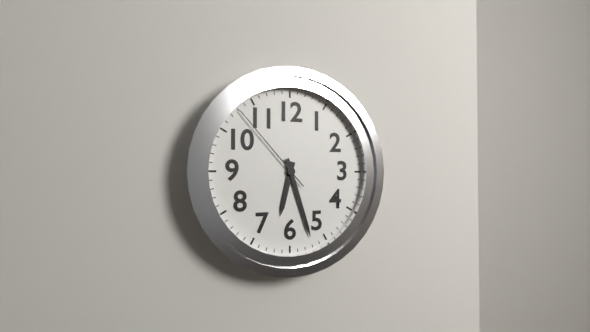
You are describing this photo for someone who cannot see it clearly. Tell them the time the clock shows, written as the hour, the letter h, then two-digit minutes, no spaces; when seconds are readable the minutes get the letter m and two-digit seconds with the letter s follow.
6h27m53s
